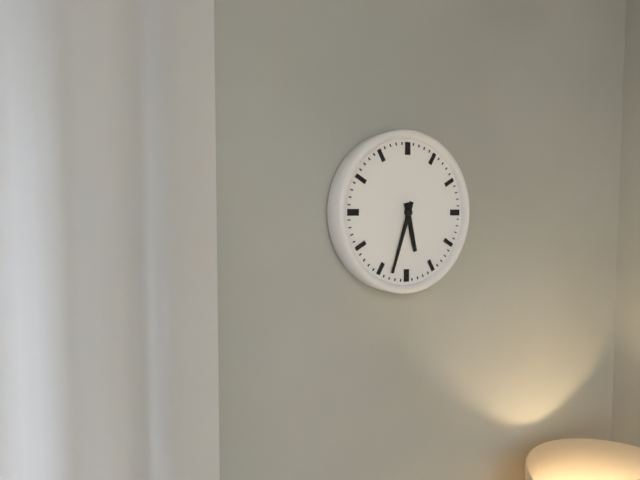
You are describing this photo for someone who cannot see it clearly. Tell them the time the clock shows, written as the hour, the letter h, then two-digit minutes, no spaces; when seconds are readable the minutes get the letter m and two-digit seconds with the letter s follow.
5h33
